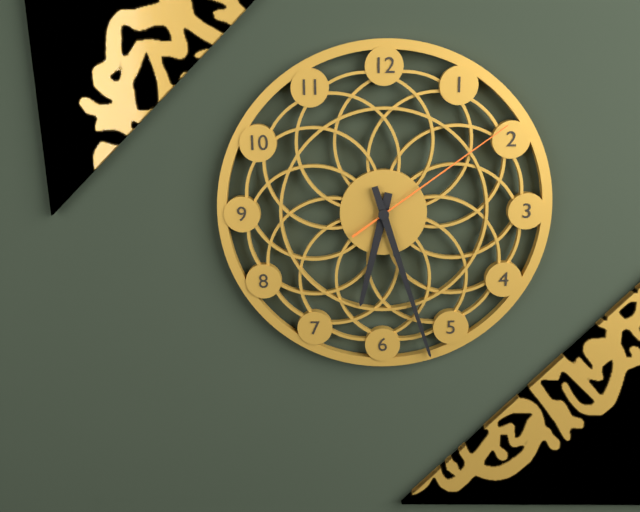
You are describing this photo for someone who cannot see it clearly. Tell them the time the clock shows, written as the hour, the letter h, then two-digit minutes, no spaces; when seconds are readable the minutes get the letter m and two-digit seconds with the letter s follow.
6h27m09s
